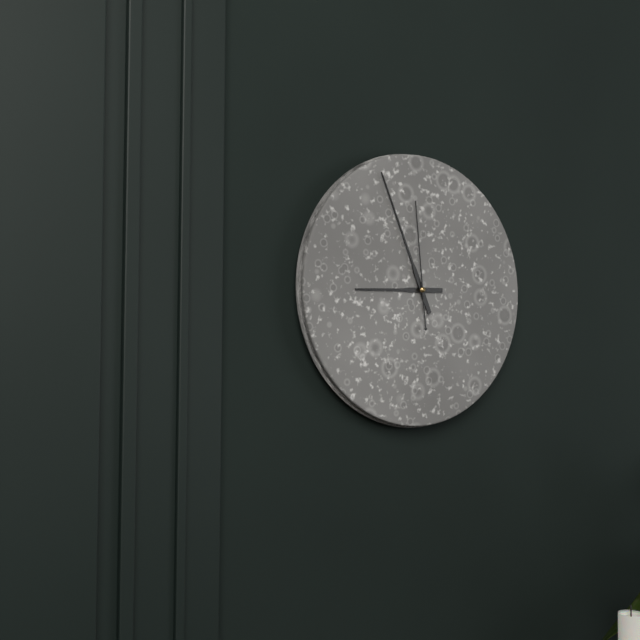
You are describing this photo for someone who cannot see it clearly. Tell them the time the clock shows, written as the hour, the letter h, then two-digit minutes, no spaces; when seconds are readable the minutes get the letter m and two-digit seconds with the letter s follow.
8h56m59s
